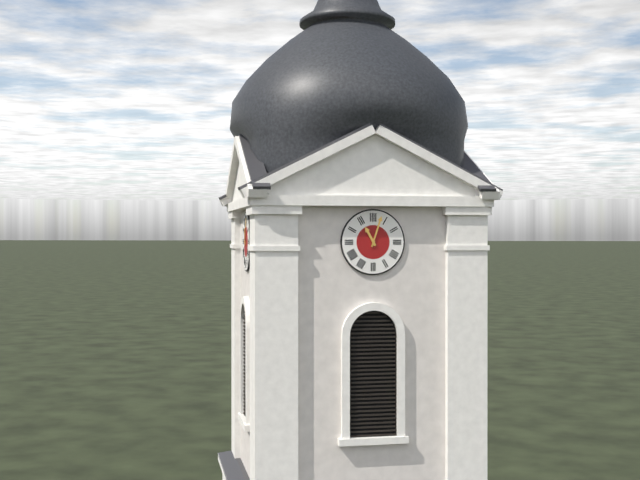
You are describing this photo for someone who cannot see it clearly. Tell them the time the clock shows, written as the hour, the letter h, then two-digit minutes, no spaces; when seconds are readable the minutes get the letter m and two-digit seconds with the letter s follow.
11h03
